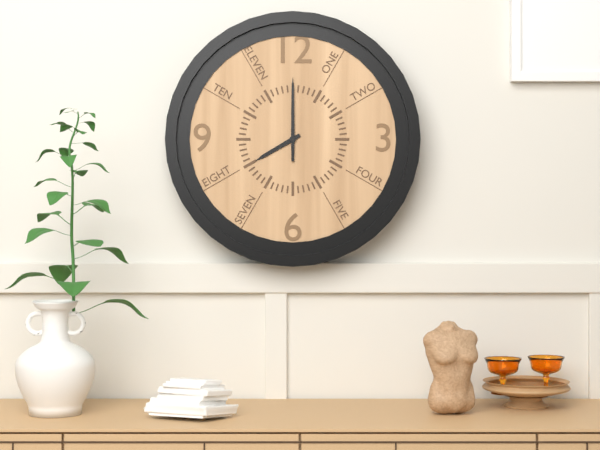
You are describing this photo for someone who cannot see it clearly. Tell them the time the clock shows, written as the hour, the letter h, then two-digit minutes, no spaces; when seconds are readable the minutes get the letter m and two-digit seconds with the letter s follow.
8h00
